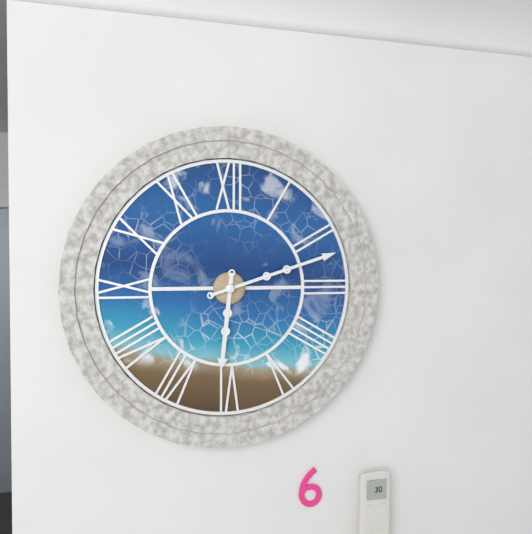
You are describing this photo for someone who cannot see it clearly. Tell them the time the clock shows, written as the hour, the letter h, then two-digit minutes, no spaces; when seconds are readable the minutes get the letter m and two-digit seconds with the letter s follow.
6h12
